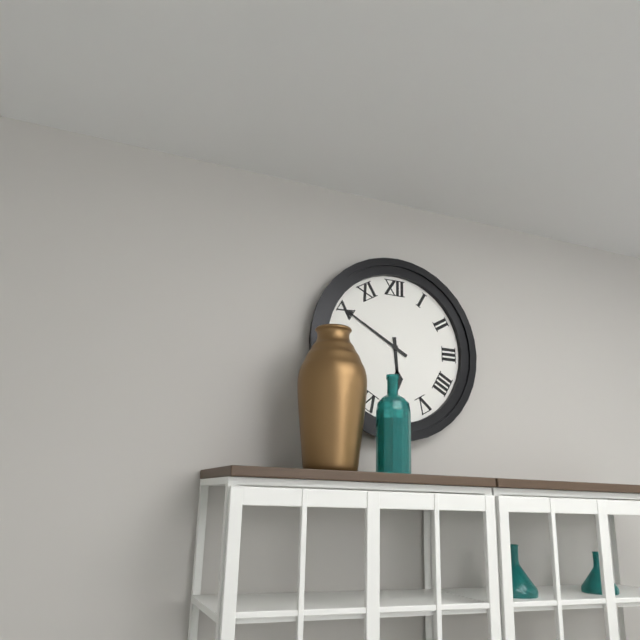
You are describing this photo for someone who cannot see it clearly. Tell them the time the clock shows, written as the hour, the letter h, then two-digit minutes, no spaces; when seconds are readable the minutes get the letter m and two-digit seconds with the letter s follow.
5h50
